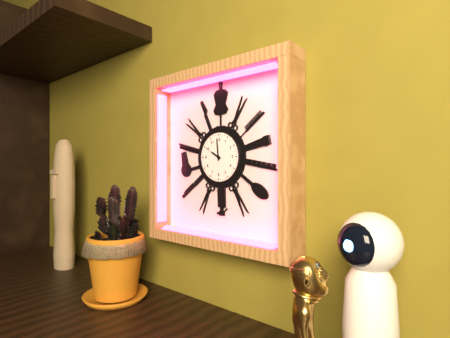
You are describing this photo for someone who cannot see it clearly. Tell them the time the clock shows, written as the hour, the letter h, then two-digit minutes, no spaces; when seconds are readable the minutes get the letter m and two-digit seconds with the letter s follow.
9h59
